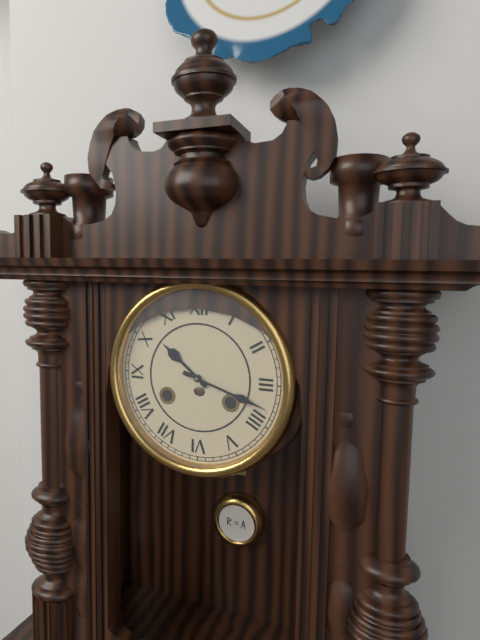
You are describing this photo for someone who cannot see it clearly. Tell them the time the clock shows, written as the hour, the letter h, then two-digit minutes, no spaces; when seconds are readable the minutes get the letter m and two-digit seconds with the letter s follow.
10h18
